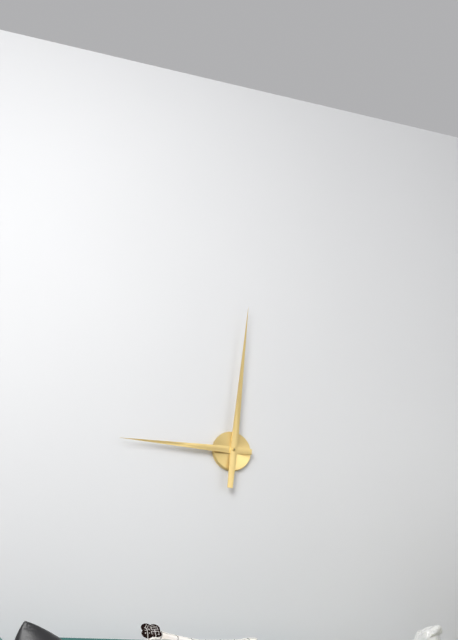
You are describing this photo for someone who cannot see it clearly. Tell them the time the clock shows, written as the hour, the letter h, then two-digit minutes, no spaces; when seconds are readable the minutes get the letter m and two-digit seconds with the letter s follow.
9h01
